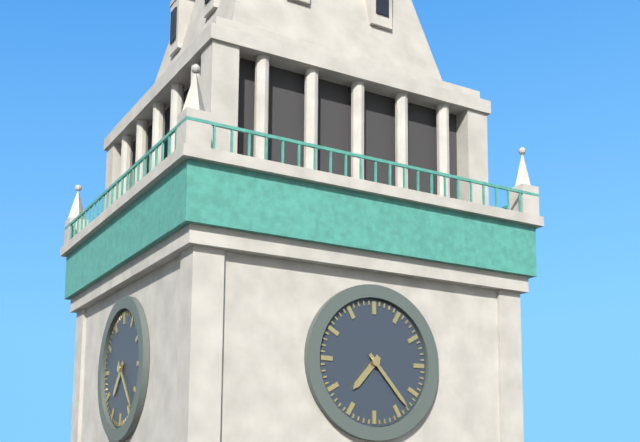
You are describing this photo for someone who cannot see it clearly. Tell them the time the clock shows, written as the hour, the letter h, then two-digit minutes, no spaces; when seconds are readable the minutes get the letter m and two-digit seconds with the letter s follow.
7h23
